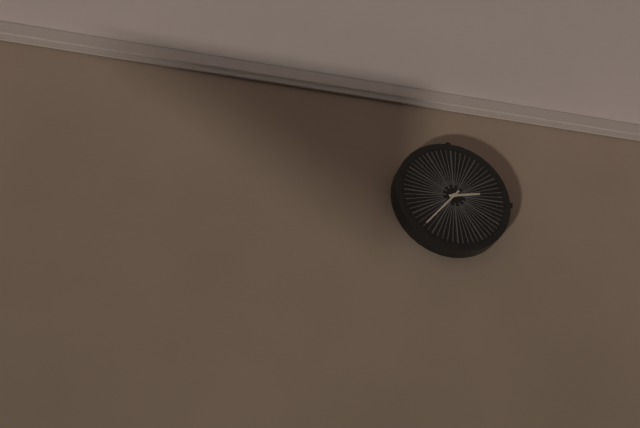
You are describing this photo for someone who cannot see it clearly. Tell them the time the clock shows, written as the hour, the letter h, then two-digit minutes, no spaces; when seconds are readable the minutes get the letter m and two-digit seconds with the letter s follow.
2h37
